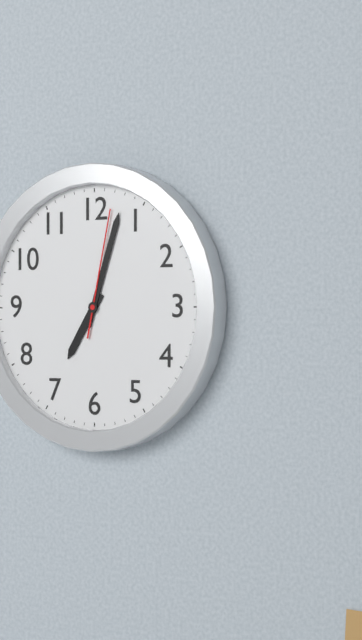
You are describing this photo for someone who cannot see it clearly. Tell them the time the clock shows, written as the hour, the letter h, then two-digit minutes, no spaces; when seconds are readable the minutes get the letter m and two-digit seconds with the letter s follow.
7h03m02s
